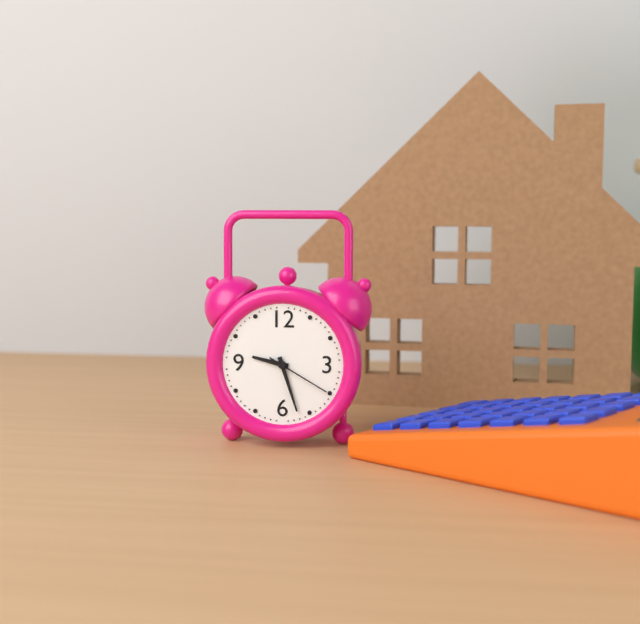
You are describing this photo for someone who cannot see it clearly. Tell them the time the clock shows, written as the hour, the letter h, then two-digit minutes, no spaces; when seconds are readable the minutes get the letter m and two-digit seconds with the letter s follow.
9h27m20s
